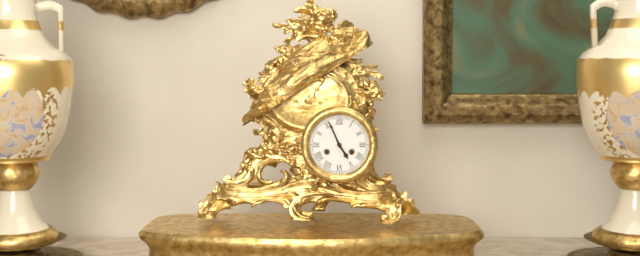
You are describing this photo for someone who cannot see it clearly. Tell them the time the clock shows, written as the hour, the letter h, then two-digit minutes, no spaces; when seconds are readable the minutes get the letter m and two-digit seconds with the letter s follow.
4h56
